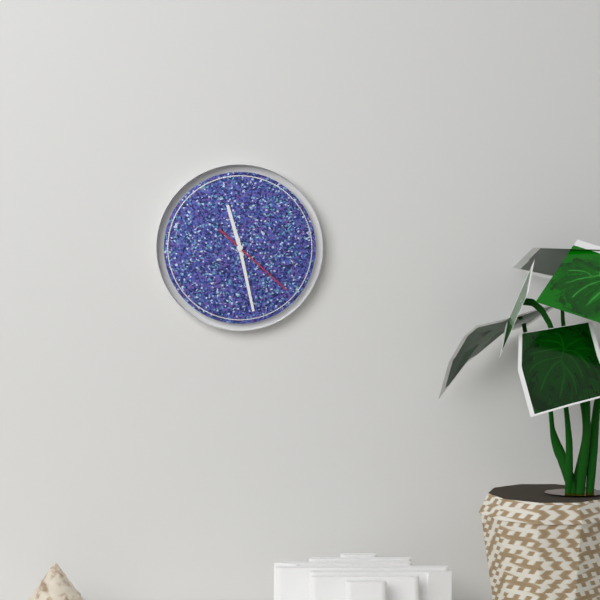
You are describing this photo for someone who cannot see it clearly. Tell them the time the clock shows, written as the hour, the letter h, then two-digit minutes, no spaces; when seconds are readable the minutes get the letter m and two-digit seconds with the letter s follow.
11h28m22s
